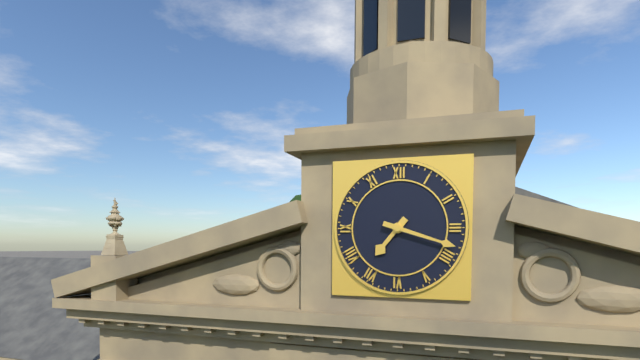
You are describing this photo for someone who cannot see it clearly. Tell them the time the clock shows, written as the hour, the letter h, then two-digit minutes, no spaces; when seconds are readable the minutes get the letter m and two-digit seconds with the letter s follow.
7h18
